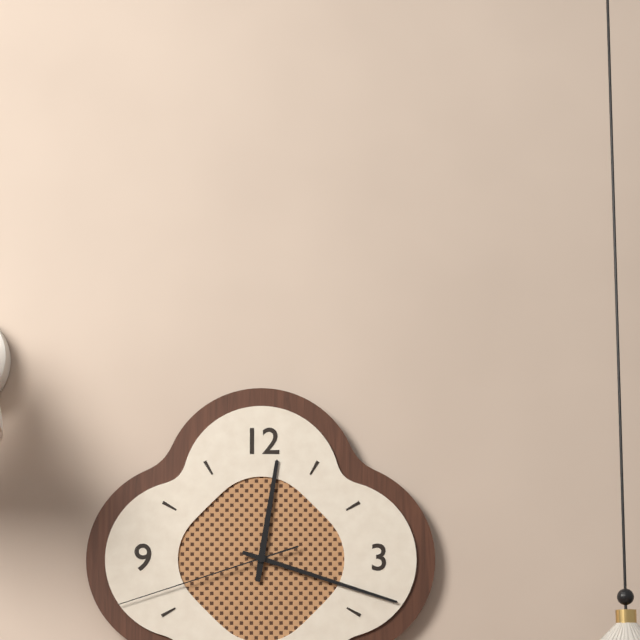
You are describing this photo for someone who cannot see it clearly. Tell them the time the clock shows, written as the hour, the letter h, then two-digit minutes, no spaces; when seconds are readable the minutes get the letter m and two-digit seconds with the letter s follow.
12h18m42s
